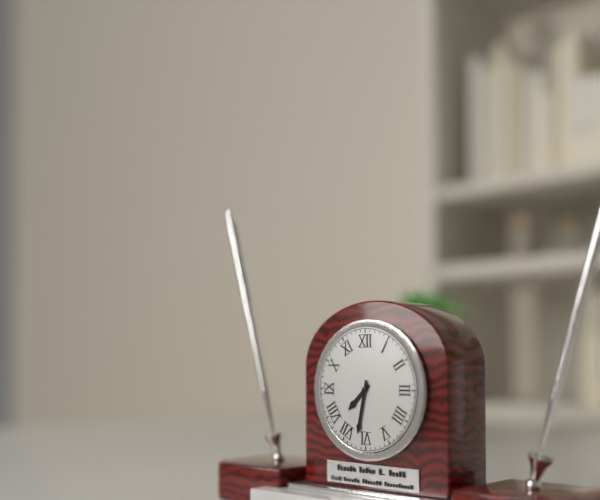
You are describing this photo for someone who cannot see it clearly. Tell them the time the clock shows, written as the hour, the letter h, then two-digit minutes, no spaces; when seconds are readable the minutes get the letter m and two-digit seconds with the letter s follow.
7h32
